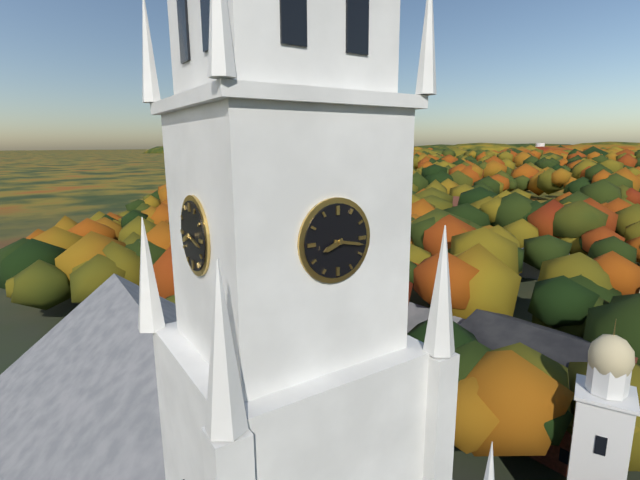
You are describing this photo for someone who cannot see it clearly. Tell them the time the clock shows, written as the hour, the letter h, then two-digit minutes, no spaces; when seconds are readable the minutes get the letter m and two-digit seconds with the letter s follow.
8h17
